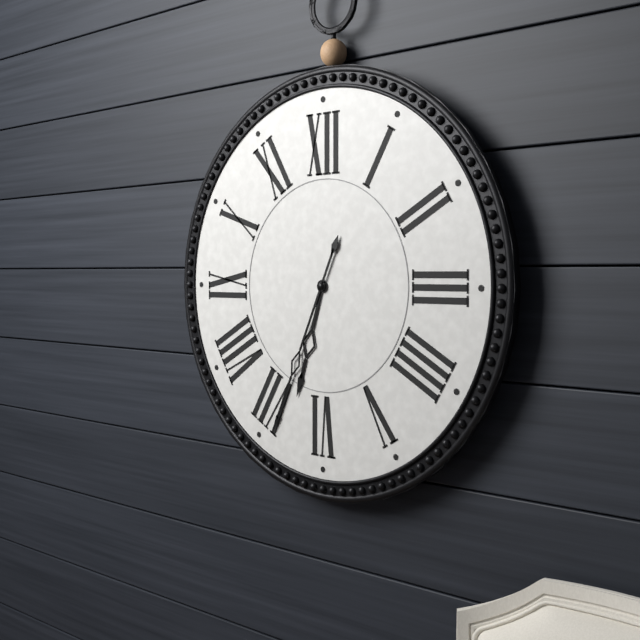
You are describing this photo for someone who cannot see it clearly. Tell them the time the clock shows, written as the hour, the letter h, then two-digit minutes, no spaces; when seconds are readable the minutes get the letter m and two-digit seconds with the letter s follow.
6h34
